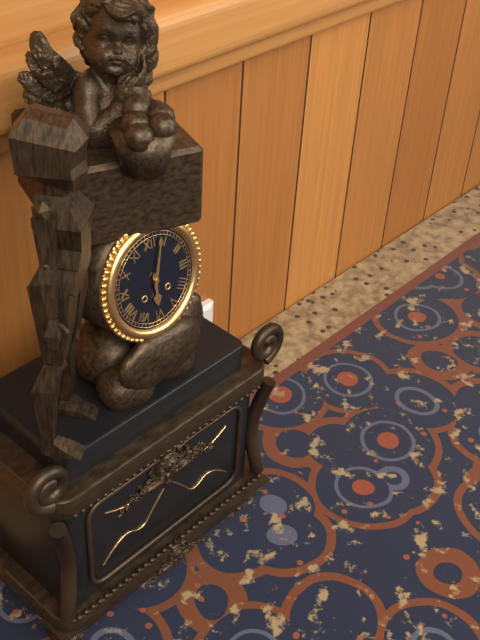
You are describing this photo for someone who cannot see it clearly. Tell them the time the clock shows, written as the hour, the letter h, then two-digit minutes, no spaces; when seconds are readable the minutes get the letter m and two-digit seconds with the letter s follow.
6h03
